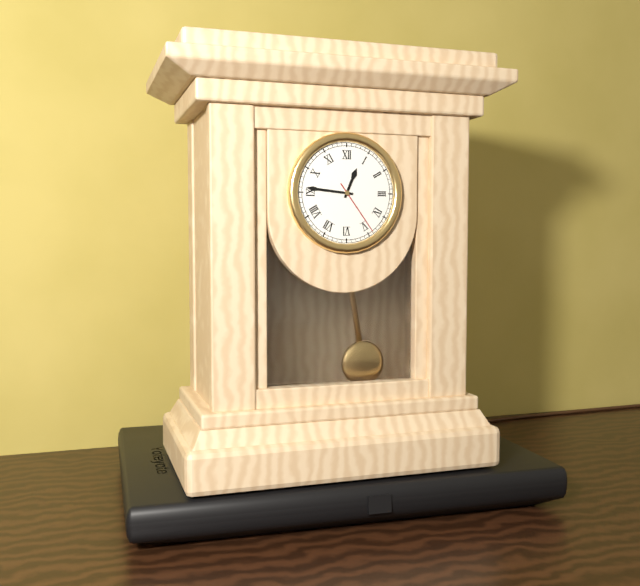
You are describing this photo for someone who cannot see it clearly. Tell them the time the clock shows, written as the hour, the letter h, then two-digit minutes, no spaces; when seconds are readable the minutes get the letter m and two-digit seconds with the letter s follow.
12h46m24s
